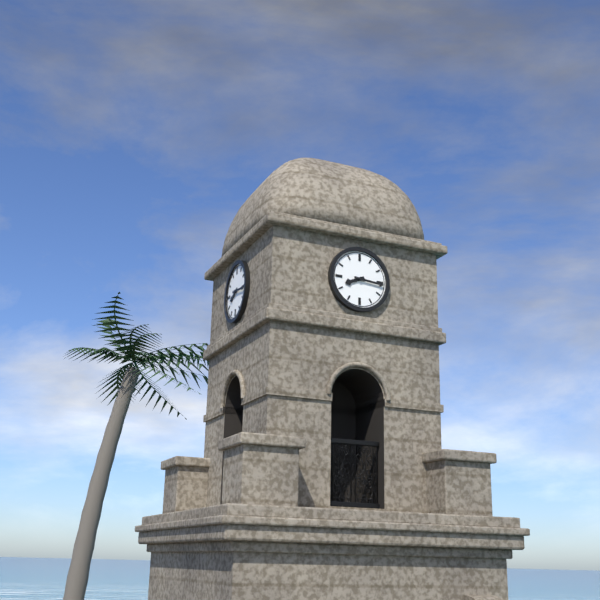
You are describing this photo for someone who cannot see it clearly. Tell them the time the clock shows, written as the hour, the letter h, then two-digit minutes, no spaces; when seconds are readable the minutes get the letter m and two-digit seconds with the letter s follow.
8h16
